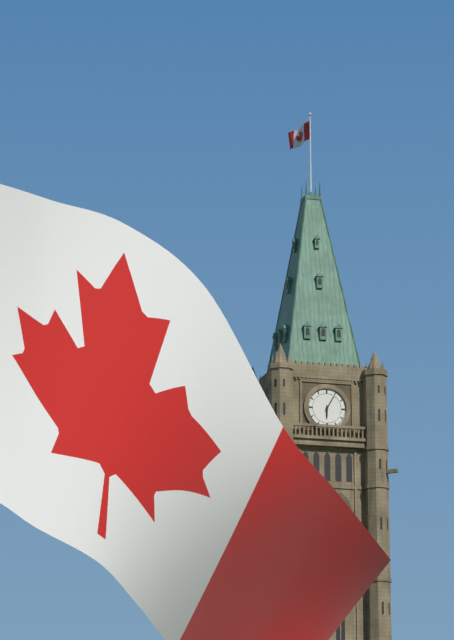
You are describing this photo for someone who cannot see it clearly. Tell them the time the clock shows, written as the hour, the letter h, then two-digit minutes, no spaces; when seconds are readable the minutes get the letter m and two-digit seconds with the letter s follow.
6h05
